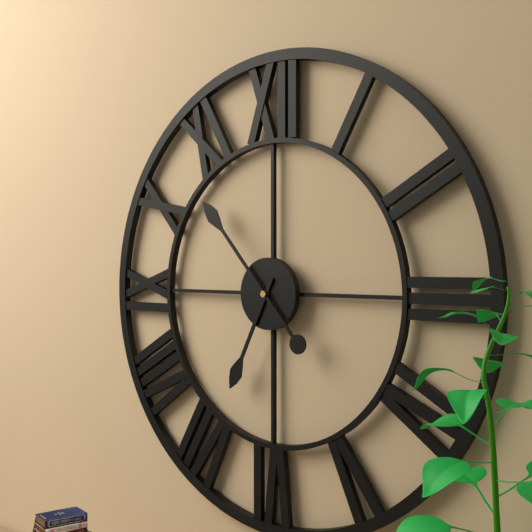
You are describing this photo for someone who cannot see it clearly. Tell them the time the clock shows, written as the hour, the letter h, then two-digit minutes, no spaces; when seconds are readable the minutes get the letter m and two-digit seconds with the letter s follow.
6h53
